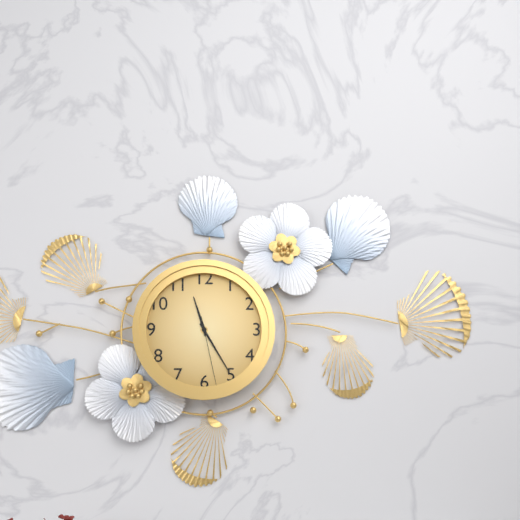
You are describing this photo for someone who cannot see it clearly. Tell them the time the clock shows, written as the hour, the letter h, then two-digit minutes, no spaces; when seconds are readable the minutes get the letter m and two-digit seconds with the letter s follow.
11h25m28s
